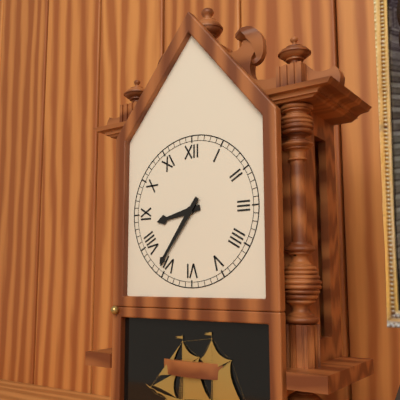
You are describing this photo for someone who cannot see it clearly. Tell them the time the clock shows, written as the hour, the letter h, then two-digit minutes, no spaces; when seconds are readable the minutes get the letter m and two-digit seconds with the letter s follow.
8h36
